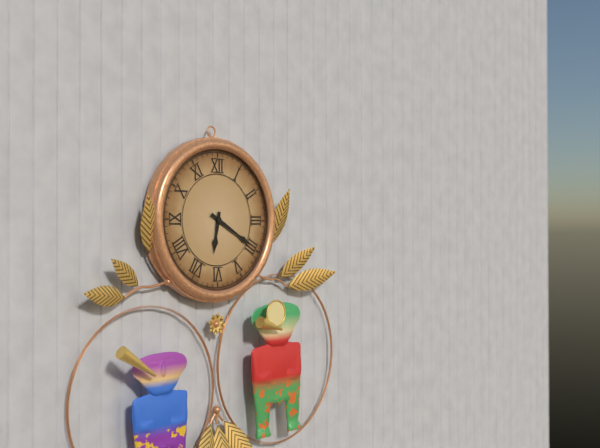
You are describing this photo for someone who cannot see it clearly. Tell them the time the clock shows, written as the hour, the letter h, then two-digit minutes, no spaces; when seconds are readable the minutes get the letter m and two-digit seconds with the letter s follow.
6h20
